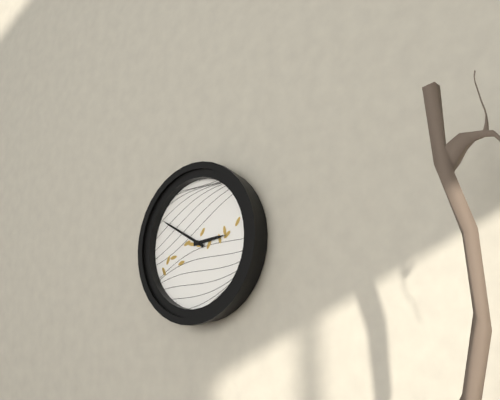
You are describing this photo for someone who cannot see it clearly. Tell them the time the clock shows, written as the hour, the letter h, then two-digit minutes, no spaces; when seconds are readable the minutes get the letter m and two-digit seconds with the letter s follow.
2h50
